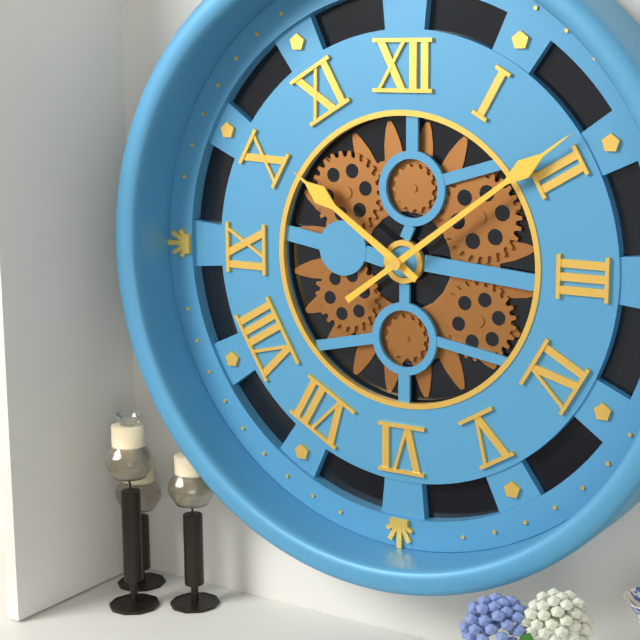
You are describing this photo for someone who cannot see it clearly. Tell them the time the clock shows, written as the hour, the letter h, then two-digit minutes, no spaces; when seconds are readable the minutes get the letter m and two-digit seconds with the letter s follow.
10h09
